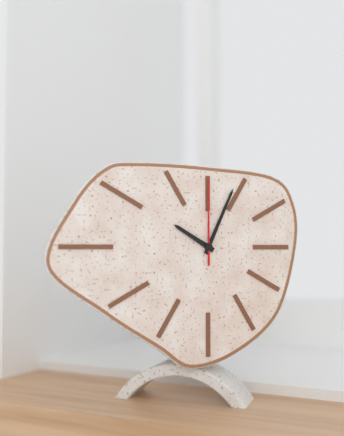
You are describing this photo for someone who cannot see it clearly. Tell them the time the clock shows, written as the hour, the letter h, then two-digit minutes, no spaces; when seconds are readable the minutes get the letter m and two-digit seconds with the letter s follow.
10h04m00s
